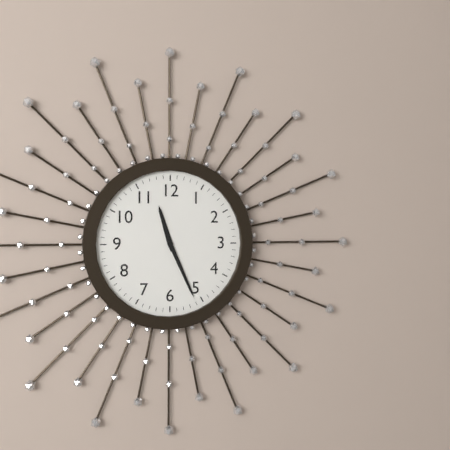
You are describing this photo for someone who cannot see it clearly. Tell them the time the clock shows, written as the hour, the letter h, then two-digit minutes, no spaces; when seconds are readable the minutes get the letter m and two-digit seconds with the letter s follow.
11h26
